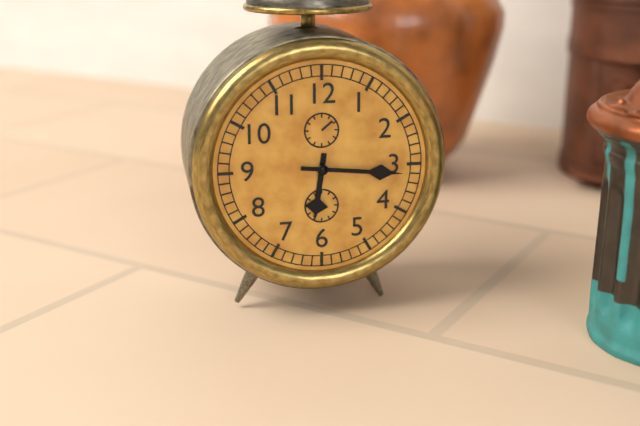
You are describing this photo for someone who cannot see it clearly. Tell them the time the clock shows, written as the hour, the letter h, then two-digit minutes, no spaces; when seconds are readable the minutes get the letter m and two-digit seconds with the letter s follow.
6h16
